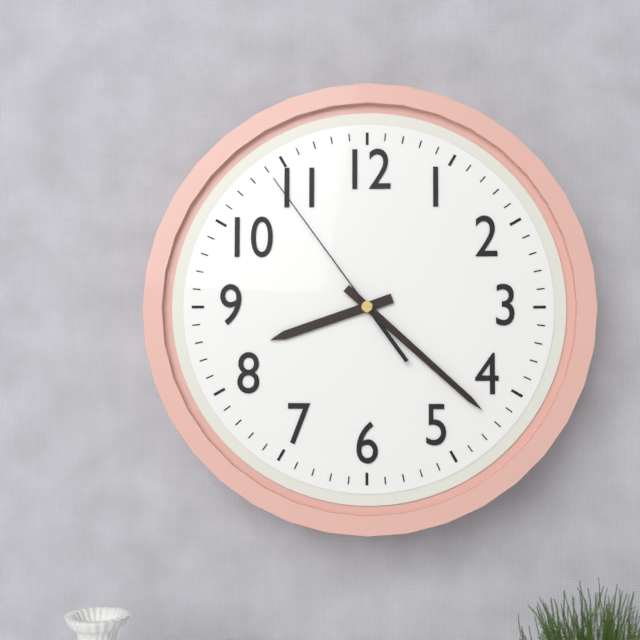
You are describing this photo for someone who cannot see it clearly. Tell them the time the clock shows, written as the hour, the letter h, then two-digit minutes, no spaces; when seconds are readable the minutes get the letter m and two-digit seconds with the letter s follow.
8h22m54s
